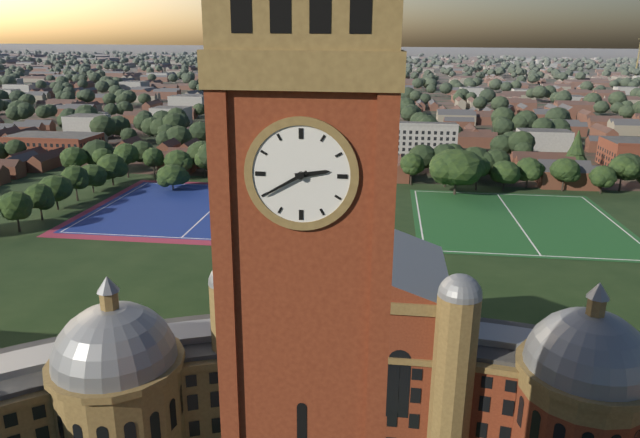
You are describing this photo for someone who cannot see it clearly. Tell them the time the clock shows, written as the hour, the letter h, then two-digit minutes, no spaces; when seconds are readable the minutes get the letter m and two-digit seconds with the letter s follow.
2h40
